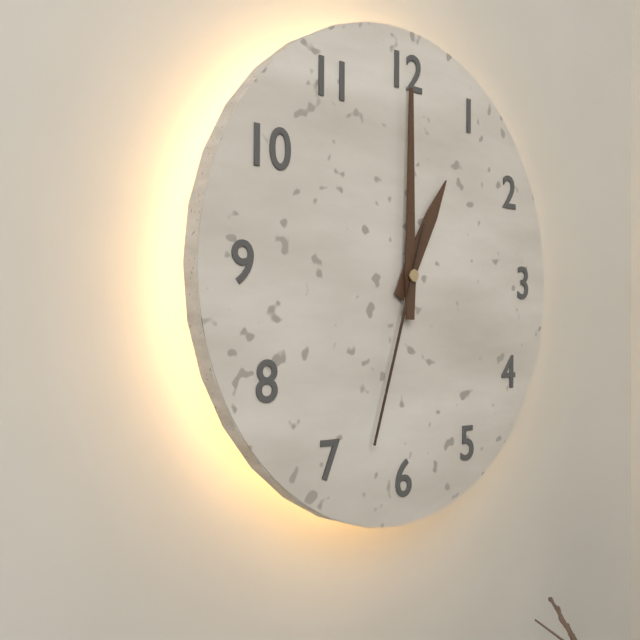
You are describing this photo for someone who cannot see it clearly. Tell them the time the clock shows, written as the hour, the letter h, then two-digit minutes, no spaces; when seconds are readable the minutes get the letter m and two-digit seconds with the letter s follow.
1h00m33s
